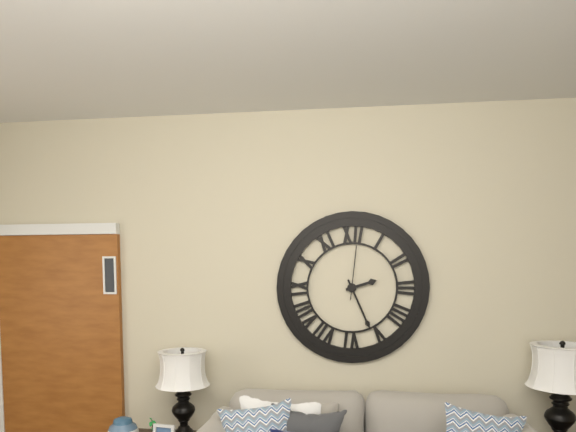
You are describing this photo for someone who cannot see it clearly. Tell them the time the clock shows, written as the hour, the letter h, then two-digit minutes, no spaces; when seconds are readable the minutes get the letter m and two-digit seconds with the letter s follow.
2h26m01s
